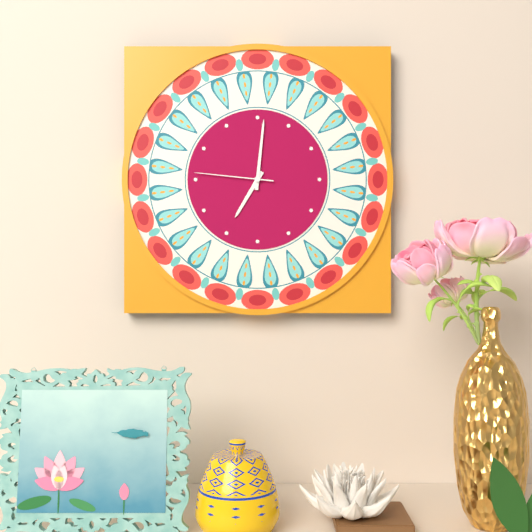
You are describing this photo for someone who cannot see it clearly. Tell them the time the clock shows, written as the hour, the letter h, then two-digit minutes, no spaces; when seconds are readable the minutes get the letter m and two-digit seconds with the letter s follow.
7h01m46s
